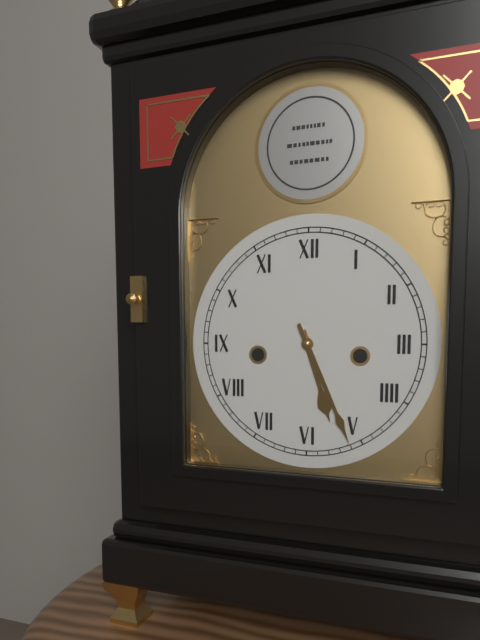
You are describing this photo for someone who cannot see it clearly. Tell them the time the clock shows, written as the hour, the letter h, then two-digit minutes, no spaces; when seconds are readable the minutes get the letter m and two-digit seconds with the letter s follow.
5h26
